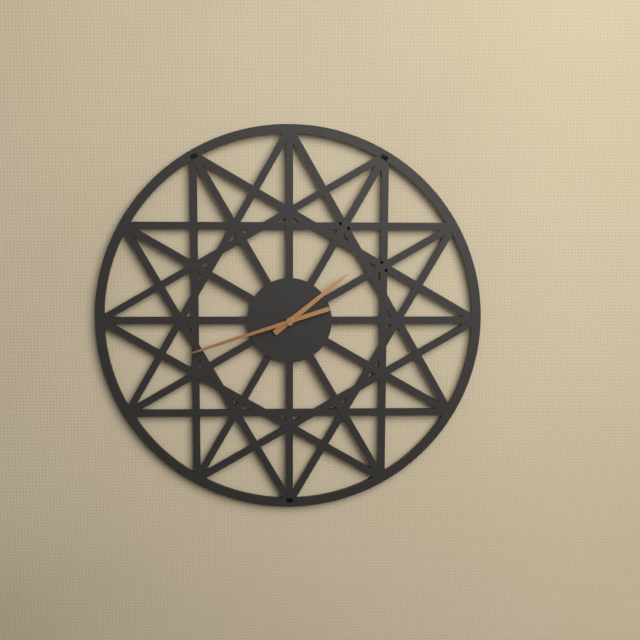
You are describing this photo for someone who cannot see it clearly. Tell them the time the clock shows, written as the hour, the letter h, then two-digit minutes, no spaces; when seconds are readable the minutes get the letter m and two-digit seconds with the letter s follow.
1h42
